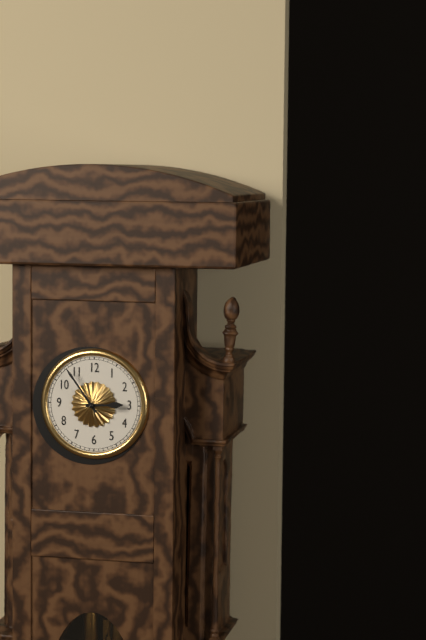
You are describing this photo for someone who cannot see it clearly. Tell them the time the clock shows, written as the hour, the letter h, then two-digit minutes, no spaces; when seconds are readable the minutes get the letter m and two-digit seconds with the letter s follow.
2h54
